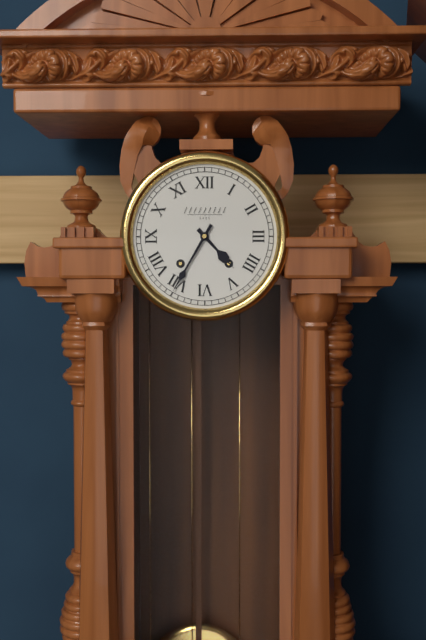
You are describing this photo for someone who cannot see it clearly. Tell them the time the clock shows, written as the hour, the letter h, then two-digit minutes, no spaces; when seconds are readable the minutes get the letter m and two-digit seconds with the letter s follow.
4h35
